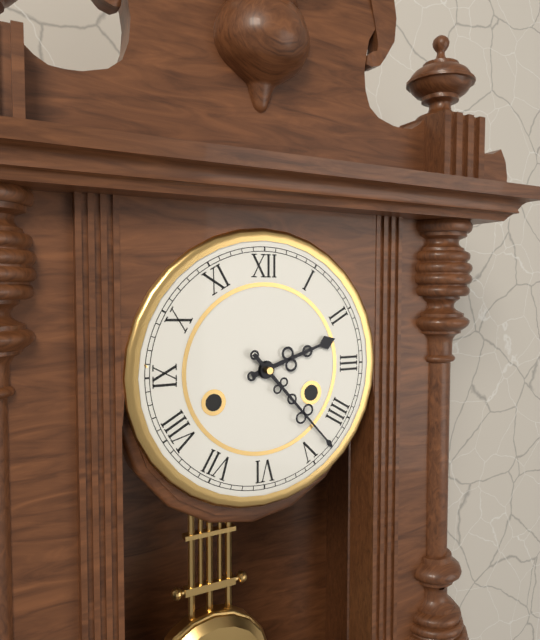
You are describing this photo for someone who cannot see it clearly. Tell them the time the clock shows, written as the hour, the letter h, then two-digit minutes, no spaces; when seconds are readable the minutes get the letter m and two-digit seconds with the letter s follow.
2h23
